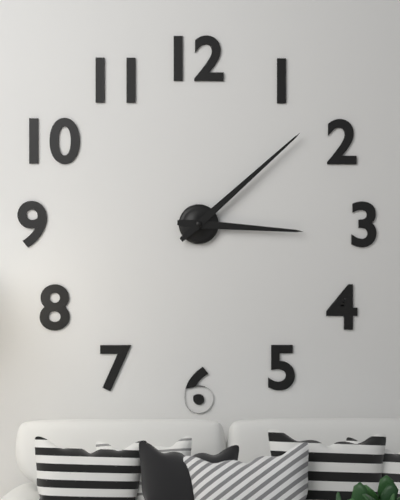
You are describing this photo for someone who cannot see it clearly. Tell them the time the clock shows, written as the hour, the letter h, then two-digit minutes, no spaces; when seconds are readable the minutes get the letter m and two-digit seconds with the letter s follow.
3h08
